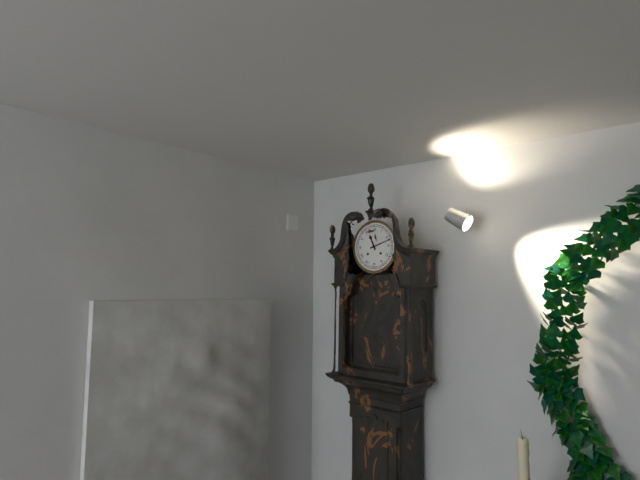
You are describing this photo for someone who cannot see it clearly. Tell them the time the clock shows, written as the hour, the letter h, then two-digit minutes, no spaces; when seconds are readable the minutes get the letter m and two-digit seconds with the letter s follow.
11h12
